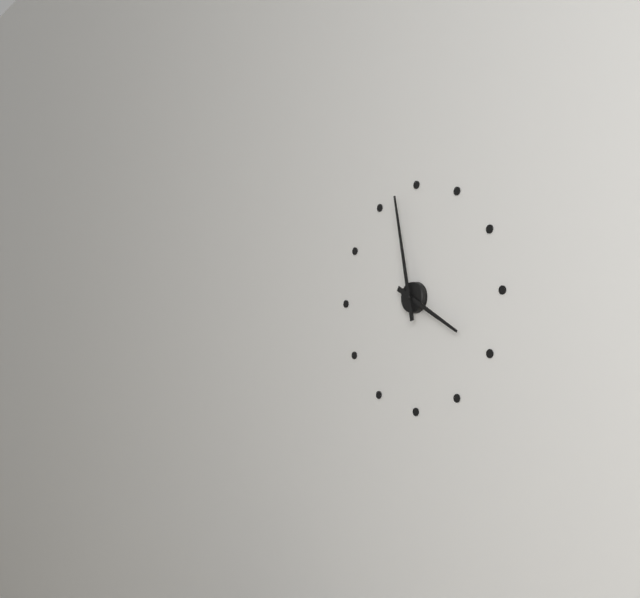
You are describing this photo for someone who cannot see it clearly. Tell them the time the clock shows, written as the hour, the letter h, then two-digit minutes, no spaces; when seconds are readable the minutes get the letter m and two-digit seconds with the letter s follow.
3h58
